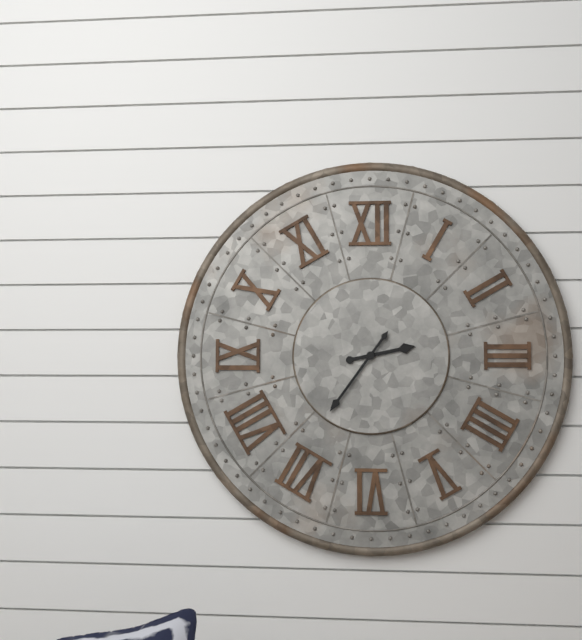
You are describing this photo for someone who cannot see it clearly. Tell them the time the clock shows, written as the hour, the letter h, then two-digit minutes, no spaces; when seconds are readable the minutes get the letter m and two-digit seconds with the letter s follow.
2h36
